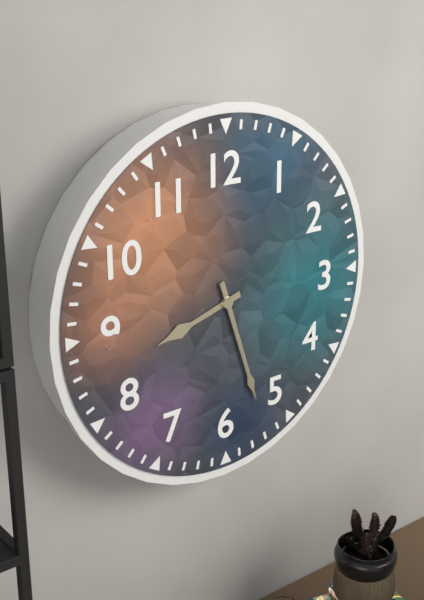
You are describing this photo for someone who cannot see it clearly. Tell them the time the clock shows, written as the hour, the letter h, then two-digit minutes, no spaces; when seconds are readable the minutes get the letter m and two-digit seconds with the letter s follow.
8h27
